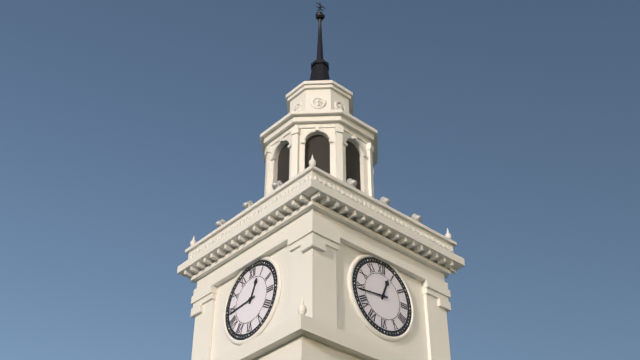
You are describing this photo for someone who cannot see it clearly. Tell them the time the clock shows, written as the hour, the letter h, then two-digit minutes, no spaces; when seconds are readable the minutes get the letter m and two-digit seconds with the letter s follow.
12h44
